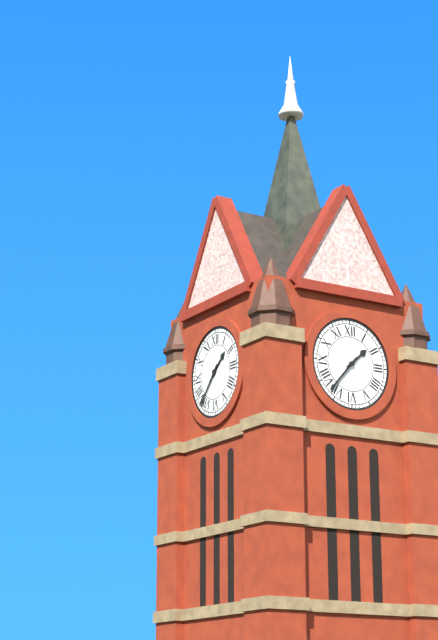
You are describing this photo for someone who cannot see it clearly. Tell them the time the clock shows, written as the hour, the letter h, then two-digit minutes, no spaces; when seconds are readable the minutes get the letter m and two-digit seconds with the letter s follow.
1h37
